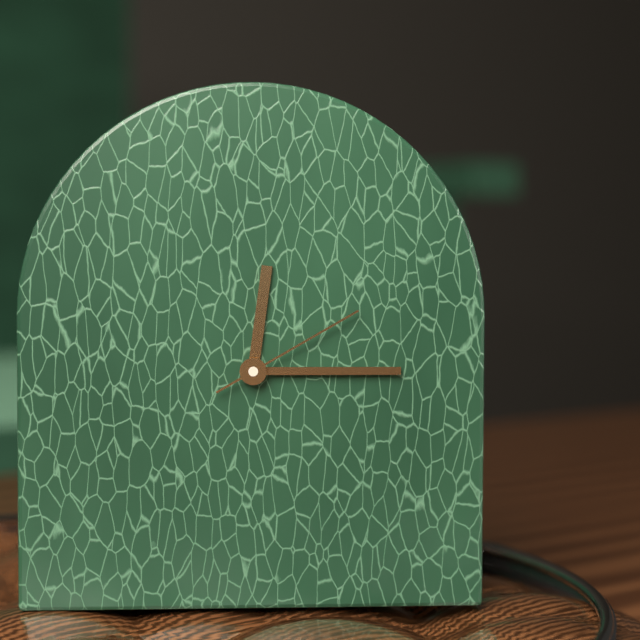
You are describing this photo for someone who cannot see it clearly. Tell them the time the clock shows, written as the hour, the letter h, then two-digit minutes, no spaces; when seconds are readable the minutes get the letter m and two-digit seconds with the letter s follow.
12h15m10s
